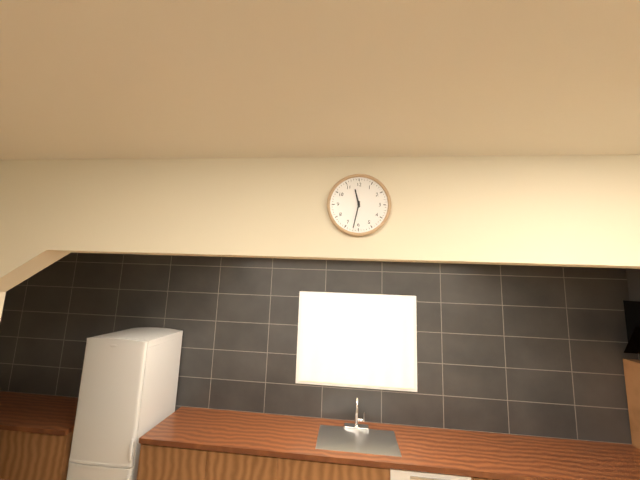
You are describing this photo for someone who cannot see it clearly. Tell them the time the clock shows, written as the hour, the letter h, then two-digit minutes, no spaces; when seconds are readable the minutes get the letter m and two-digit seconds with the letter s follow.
11h32
